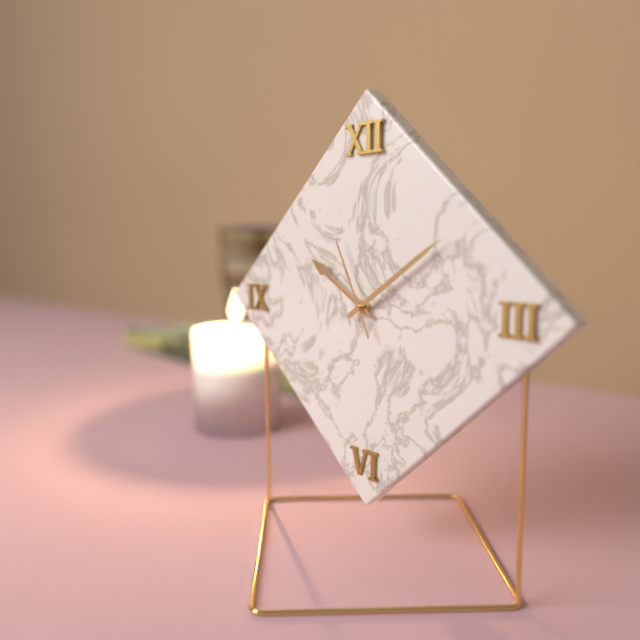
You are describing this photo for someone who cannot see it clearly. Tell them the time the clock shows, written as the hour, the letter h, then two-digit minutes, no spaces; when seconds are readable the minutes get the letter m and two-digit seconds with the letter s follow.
10h09m56s
